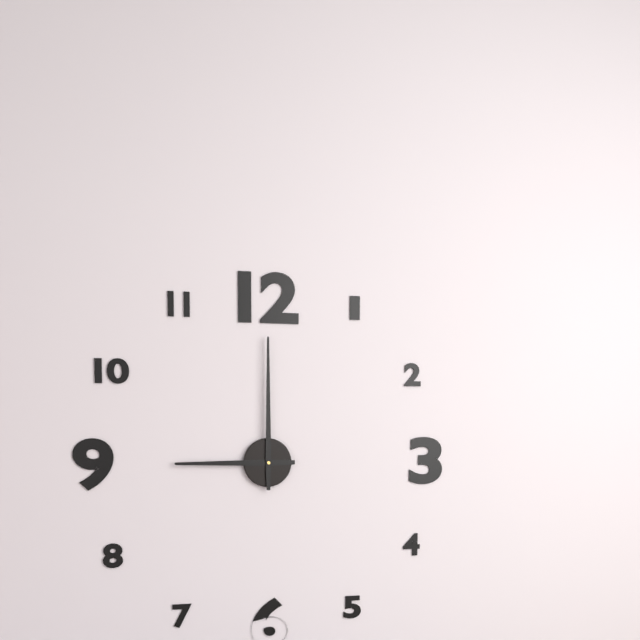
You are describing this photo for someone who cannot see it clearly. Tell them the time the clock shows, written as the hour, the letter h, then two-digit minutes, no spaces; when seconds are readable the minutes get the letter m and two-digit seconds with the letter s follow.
9h00
